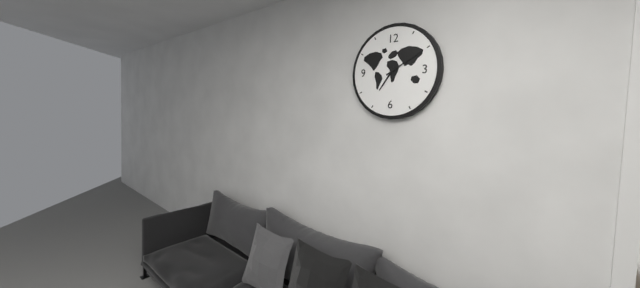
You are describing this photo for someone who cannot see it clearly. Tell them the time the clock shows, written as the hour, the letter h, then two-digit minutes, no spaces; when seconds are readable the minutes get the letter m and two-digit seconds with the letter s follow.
7h10
